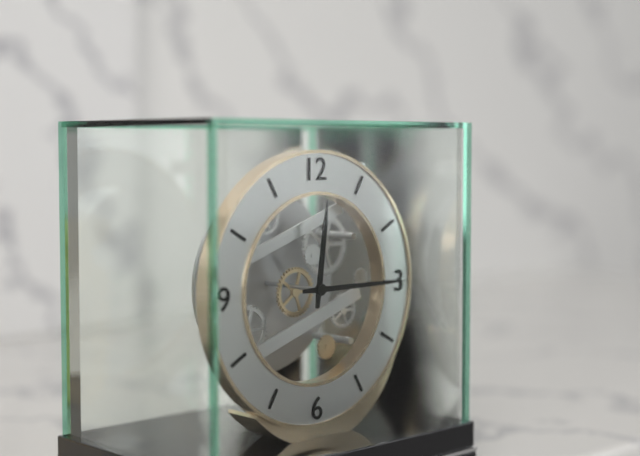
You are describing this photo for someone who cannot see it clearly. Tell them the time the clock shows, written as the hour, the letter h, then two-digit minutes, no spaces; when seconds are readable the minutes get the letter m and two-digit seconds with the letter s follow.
12h15
